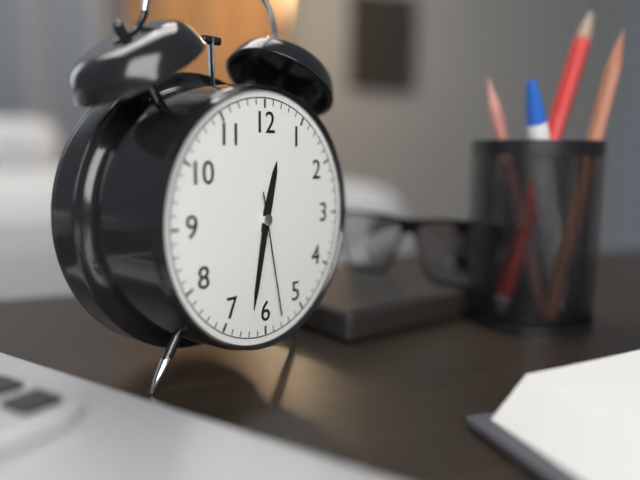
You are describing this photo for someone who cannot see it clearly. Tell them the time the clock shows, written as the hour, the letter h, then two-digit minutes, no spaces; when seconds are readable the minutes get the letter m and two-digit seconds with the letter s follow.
12h32m28s
